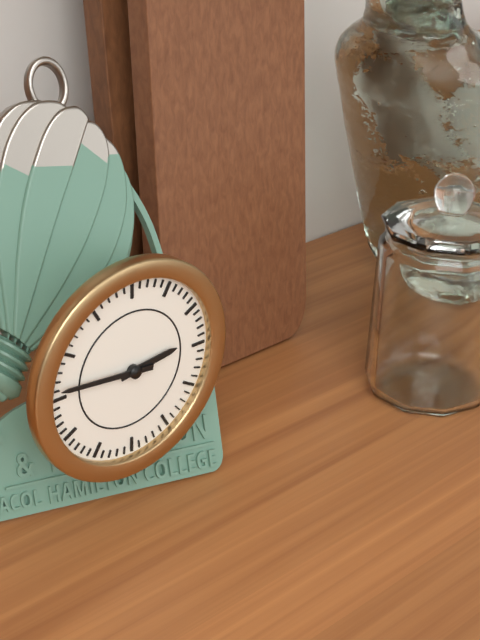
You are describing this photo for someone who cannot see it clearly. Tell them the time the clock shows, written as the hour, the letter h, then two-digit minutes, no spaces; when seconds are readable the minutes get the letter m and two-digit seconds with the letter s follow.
2h46
